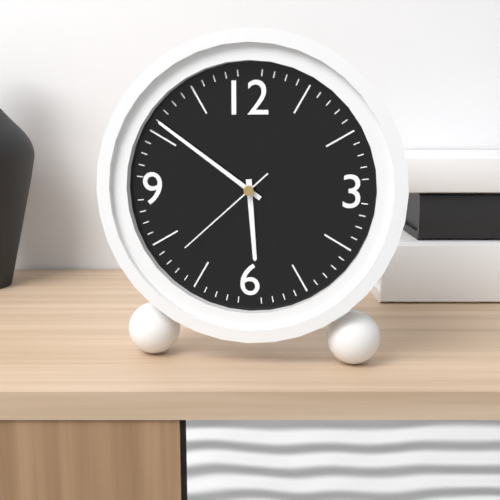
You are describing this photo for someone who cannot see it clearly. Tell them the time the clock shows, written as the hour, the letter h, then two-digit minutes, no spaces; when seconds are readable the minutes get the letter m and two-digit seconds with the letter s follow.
5h51m38s
